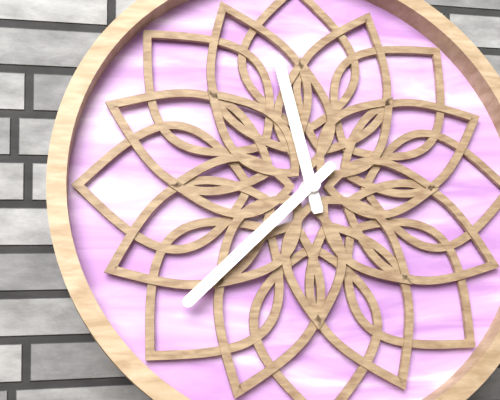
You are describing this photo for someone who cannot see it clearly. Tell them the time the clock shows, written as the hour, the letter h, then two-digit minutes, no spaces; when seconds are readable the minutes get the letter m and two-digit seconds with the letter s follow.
11h38
